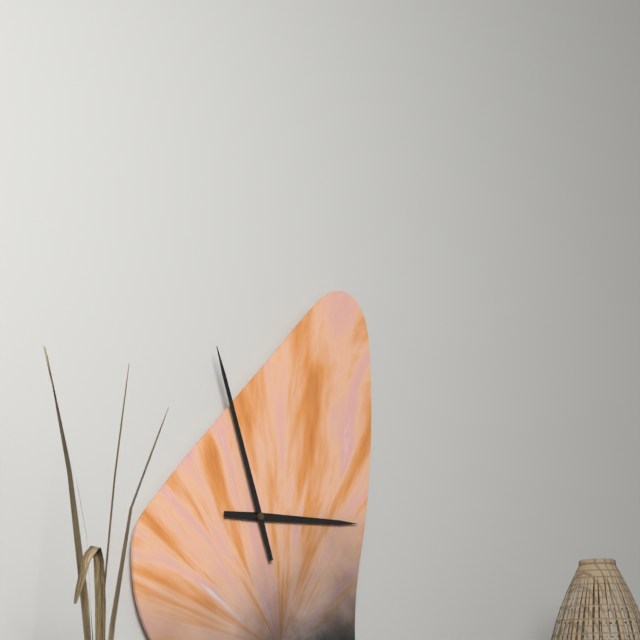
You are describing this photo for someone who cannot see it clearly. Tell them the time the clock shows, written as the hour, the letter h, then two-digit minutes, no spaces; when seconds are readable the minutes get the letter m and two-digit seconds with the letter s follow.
2h57
